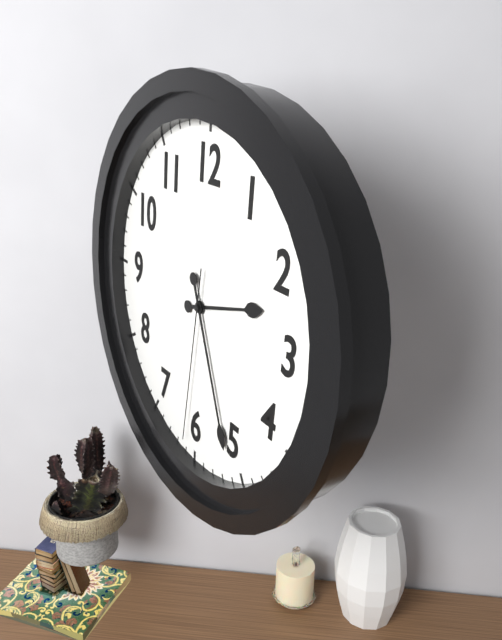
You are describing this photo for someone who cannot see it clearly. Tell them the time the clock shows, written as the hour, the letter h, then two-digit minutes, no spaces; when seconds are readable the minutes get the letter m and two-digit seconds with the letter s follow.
2h26m31s
